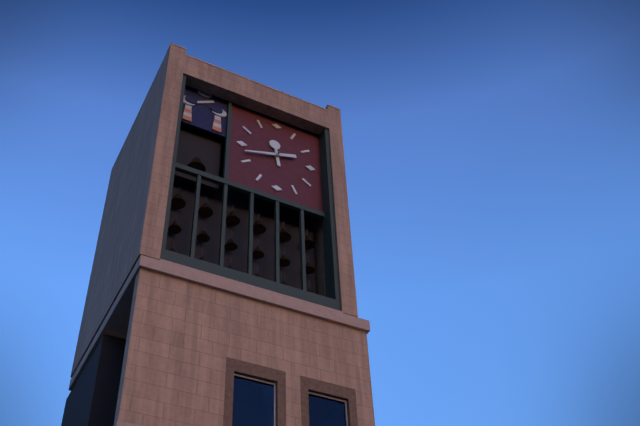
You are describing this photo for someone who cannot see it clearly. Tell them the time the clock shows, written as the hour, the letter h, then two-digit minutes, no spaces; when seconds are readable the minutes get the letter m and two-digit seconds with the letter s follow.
11h42
